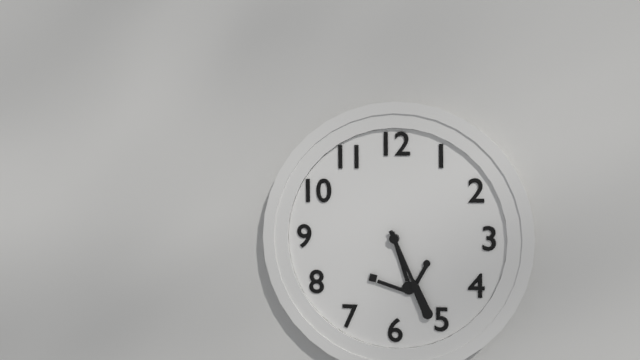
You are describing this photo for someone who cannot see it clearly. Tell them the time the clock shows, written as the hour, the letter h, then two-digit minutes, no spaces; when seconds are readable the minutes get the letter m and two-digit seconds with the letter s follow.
5h26
